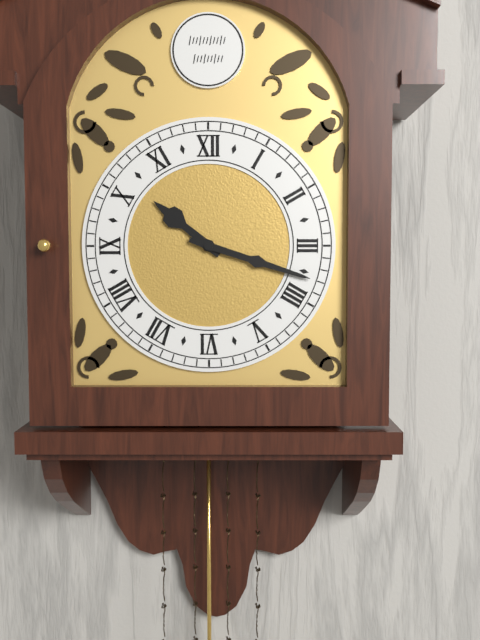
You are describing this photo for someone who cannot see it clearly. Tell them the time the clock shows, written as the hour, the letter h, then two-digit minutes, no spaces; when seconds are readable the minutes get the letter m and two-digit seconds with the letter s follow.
10h18
